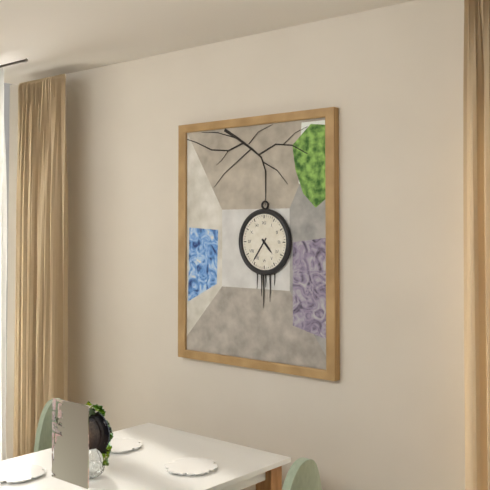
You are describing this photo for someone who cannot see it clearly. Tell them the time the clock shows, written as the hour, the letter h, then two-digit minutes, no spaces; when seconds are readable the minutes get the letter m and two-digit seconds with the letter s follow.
4h36
